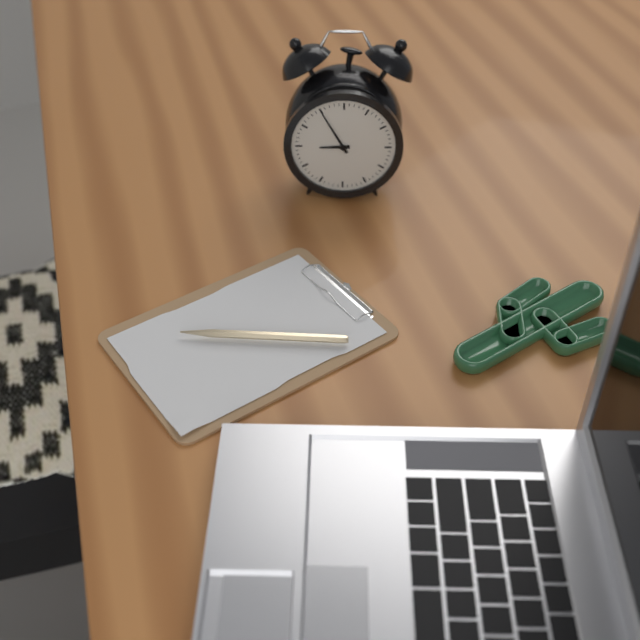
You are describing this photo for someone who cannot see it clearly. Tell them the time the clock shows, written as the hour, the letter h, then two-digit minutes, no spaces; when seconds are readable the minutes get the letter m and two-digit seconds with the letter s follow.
8h55
